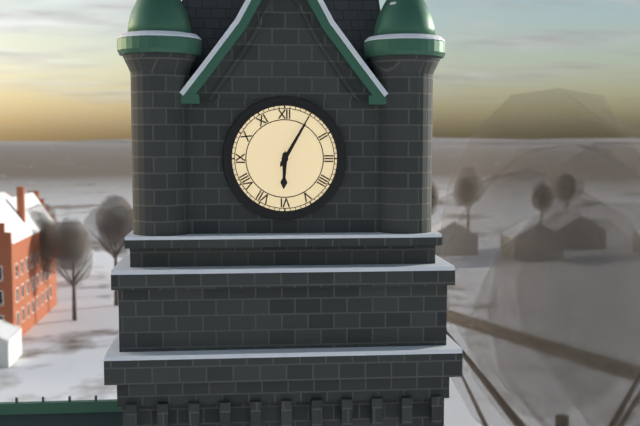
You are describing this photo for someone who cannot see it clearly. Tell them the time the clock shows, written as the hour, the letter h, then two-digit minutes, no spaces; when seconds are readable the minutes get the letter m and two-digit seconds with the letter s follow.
6h05
